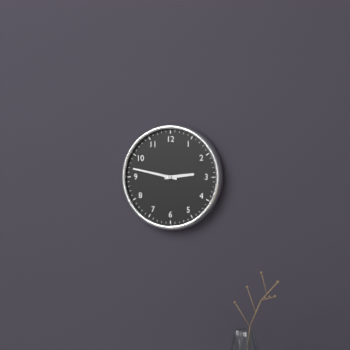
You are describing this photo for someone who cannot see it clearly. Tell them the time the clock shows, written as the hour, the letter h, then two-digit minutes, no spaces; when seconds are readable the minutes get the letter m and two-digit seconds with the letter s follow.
2h47
